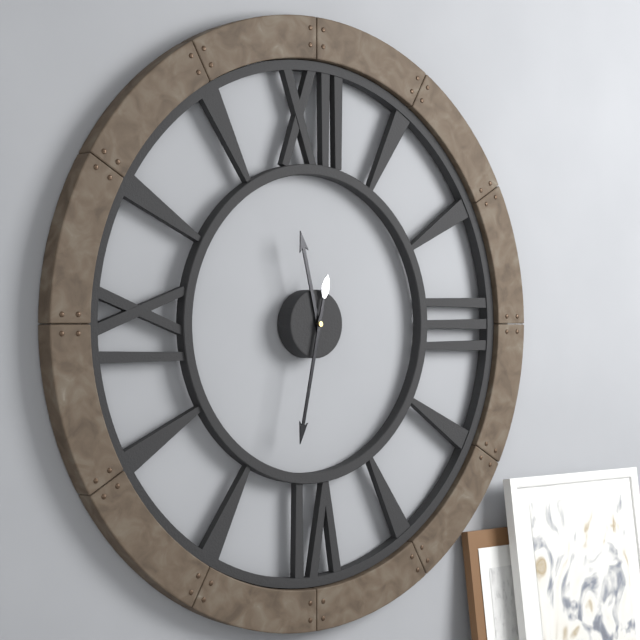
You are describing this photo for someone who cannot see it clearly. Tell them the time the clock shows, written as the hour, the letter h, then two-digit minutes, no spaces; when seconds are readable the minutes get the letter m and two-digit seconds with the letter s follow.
11h32
